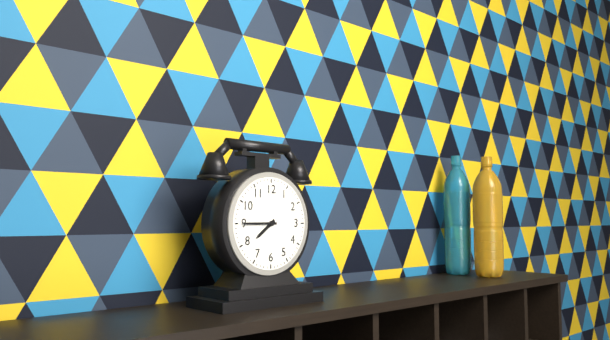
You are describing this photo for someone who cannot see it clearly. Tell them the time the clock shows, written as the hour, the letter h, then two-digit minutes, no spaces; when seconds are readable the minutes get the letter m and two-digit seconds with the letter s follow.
7h45
